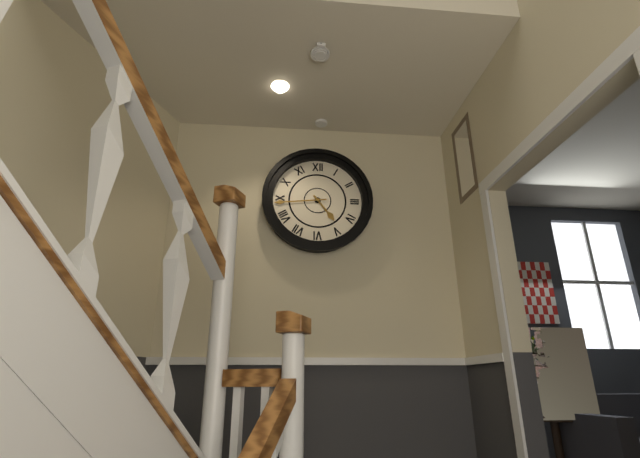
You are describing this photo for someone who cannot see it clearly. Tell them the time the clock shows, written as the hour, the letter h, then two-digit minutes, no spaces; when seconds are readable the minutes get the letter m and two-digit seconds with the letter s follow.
4h44
